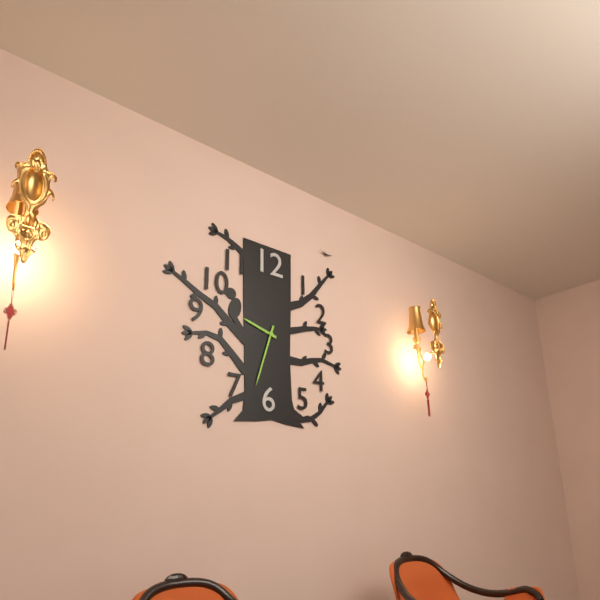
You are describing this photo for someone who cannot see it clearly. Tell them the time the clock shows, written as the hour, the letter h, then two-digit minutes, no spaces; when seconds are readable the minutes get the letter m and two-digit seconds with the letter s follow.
9h33
